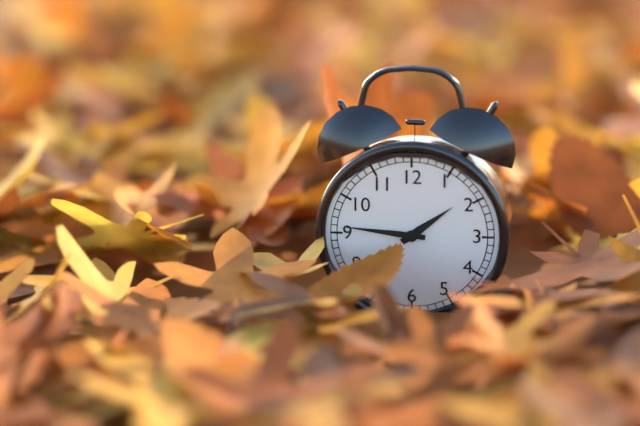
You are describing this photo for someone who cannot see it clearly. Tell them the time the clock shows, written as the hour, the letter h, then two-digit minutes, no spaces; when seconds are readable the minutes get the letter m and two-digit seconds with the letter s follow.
1h46
